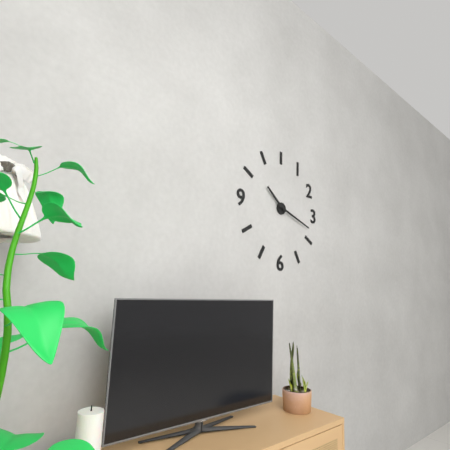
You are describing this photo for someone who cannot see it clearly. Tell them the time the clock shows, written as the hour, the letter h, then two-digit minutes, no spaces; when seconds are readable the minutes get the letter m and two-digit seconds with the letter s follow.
10h18
